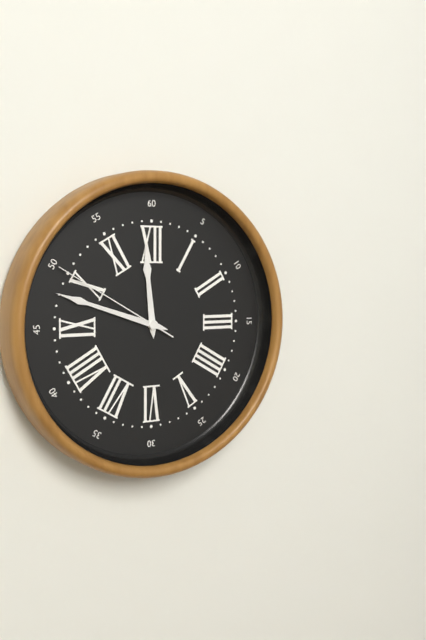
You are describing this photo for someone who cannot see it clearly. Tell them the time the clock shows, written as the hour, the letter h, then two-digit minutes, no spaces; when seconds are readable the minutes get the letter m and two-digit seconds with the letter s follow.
11h48m50s
